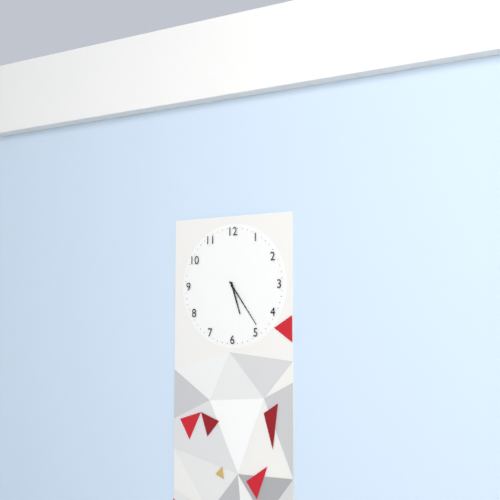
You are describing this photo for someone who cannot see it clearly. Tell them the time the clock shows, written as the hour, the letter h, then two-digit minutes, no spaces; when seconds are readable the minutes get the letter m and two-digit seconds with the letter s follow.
5h24
